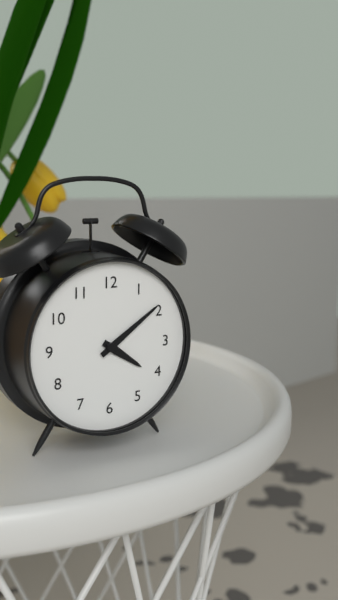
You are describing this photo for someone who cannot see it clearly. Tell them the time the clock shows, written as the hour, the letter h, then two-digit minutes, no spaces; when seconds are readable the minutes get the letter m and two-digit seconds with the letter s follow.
4h09
